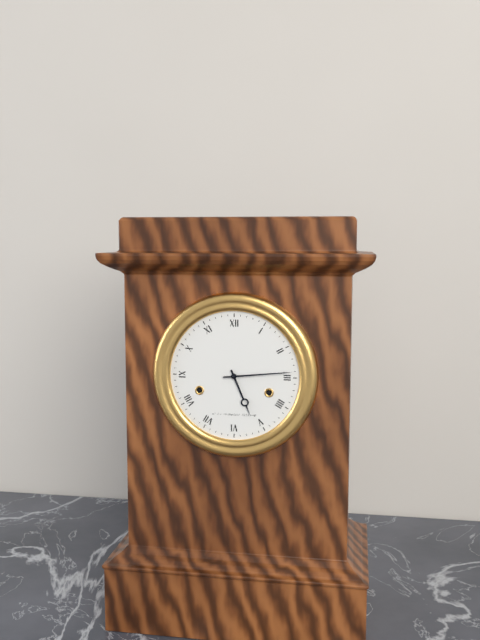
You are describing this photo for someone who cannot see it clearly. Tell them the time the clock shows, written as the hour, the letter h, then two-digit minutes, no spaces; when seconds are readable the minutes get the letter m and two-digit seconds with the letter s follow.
5h14
